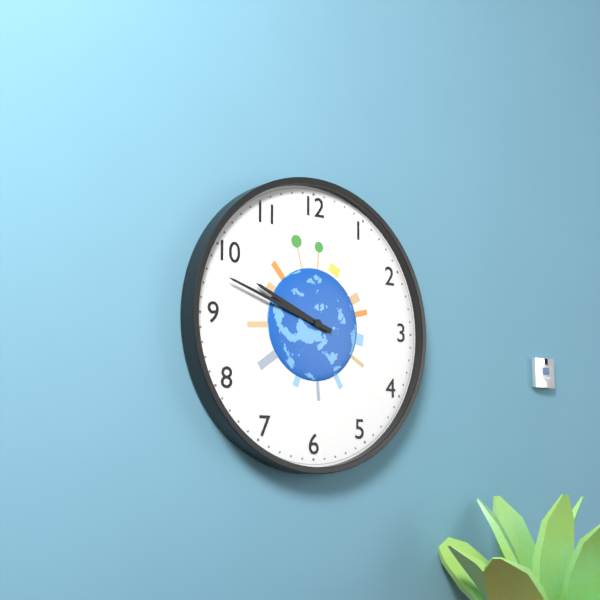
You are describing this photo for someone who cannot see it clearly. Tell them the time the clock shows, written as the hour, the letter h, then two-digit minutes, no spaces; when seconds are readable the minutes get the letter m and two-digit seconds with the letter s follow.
9h48
